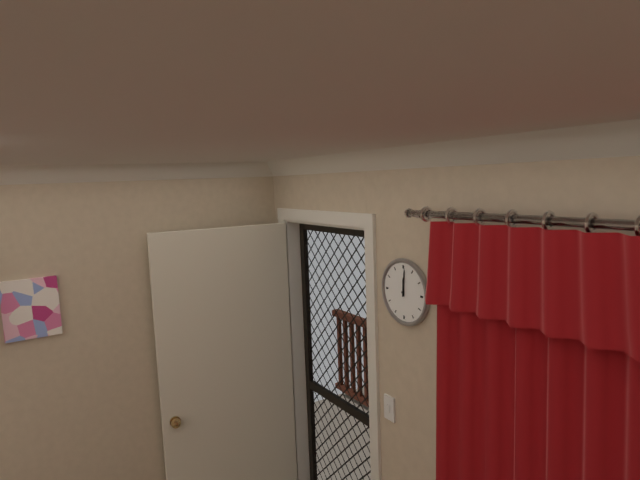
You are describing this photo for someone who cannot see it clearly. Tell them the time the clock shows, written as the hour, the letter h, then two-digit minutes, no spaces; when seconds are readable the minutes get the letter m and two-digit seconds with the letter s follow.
12h01
